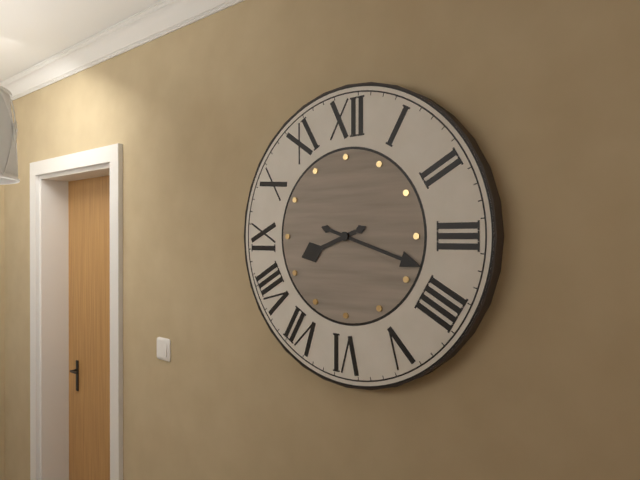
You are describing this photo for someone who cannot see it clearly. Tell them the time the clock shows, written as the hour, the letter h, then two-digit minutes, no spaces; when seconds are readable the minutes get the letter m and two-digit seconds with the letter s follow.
8h18
